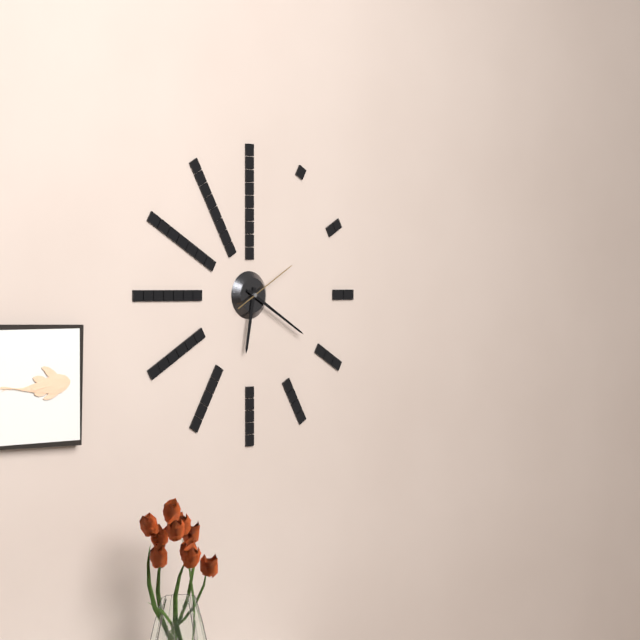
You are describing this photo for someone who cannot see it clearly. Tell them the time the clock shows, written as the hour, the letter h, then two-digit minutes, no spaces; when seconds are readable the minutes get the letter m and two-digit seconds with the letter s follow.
6h20m10s
